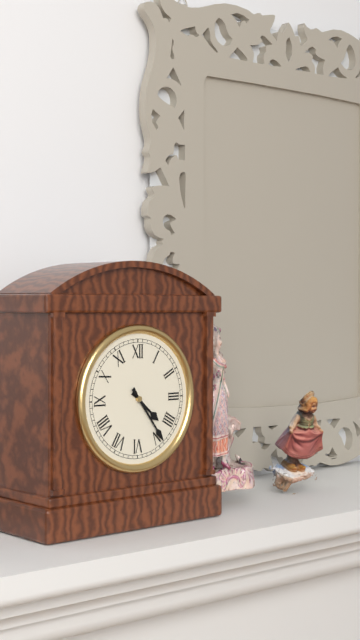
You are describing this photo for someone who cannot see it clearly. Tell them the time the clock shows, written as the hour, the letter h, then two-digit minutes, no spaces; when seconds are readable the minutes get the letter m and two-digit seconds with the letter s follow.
4h24
